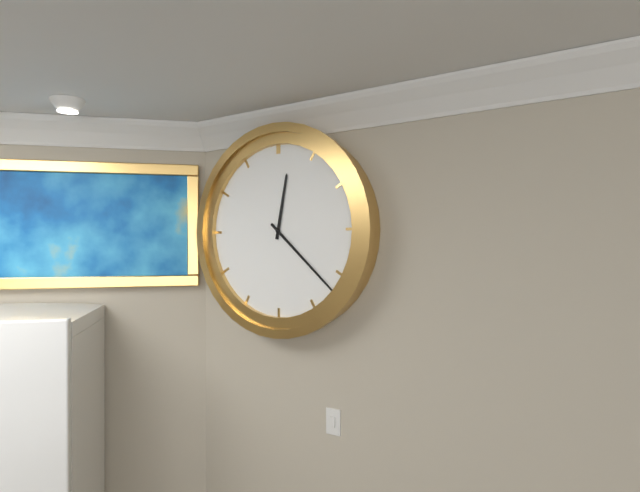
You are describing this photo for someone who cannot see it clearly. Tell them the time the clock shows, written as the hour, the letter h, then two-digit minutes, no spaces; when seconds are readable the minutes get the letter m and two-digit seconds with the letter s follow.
12h22
